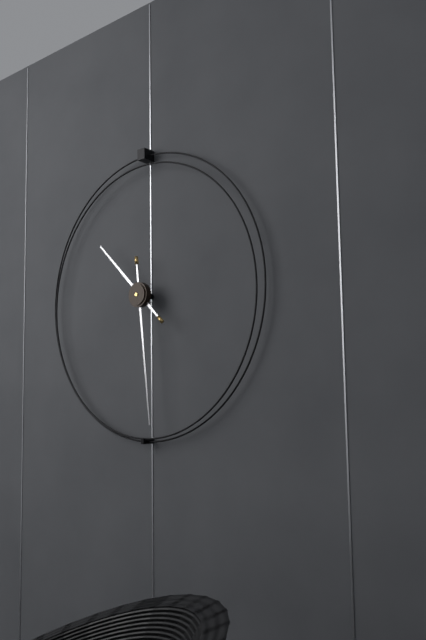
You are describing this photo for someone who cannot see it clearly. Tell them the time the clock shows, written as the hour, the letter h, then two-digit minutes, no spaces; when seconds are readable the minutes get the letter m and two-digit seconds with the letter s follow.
10h29
